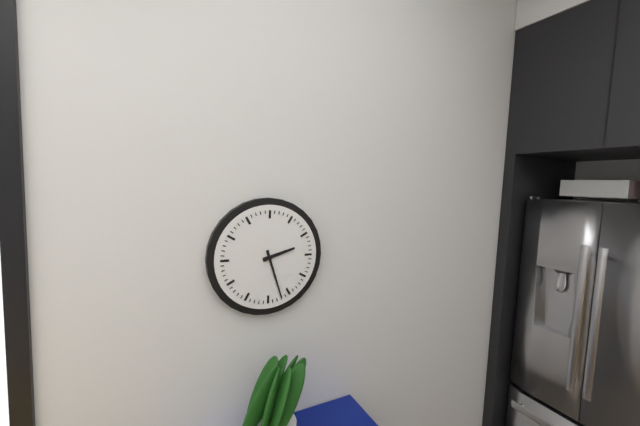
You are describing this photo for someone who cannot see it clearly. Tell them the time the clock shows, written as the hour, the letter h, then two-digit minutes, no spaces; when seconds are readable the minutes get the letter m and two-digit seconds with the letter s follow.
2h27
